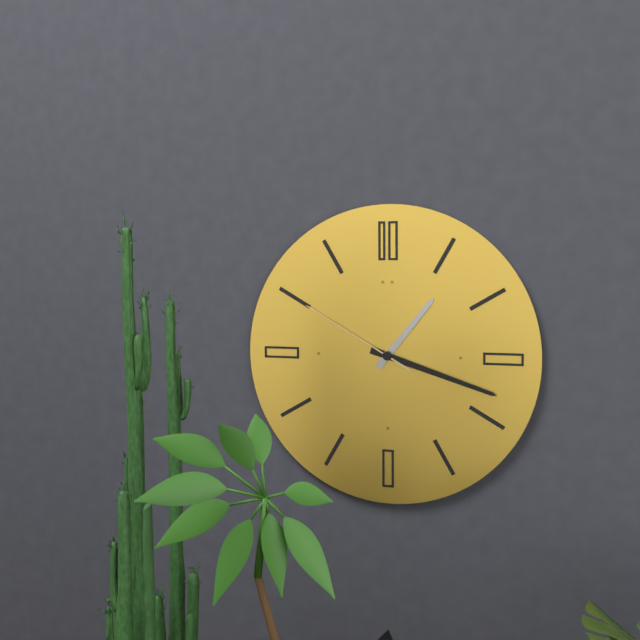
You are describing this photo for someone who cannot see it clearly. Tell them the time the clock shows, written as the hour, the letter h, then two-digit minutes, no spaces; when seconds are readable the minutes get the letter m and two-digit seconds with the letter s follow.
1h18m50s
